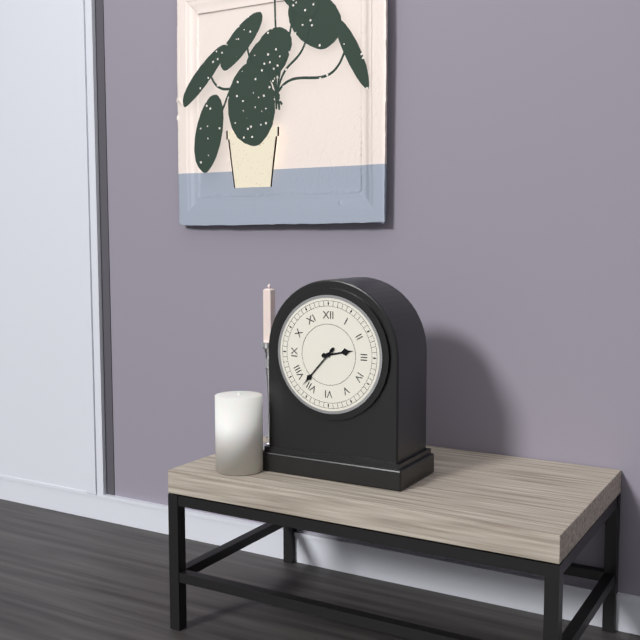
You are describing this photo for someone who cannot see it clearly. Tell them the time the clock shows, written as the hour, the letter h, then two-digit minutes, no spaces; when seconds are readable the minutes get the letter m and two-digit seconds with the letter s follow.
2h37
